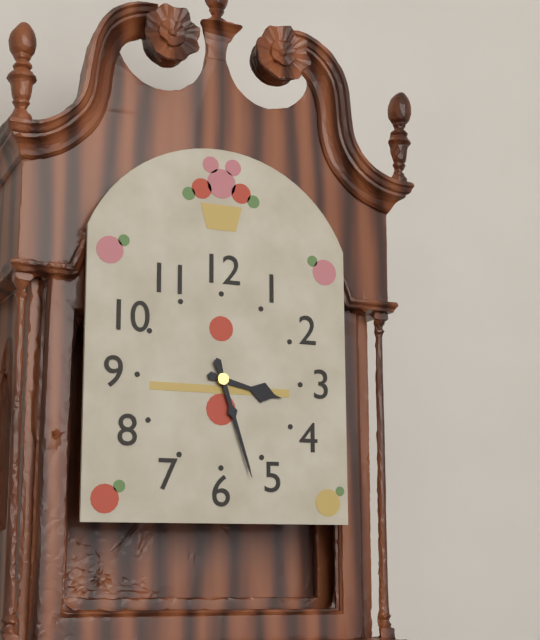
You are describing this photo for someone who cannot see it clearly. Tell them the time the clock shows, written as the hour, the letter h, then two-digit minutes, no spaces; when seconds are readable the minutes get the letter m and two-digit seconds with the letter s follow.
3h27
